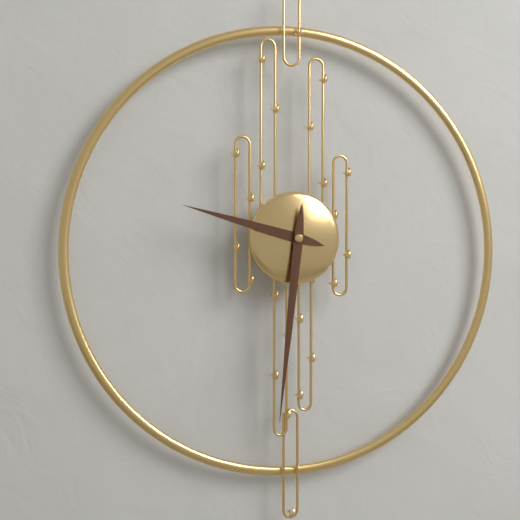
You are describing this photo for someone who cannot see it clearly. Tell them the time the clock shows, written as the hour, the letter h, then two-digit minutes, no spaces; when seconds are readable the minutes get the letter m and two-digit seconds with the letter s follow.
9h31
